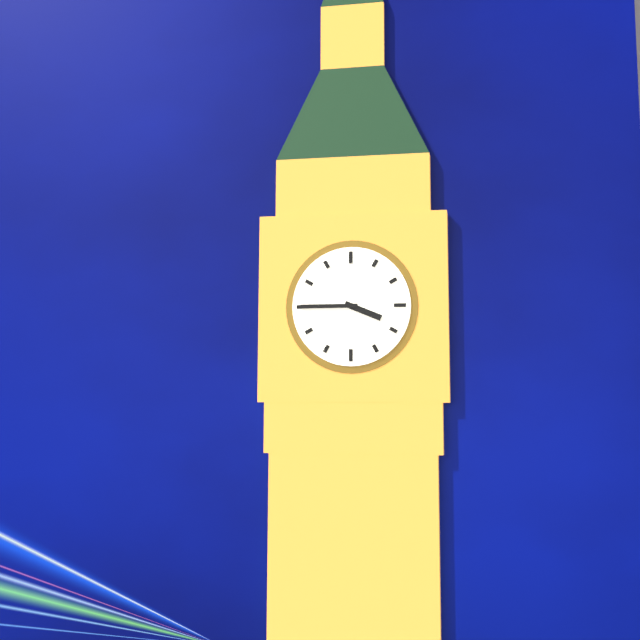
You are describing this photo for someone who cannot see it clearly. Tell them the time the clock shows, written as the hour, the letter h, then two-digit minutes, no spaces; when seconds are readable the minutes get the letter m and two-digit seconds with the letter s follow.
3h45
